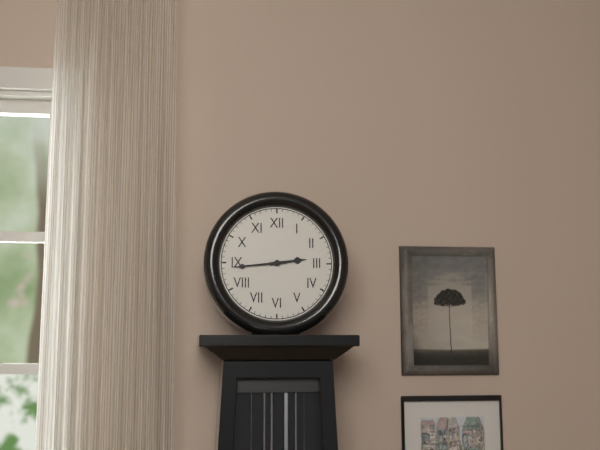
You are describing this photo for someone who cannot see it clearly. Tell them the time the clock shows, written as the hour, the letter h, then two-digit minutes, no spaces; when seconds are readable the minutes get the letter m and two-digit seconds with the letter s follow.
2h44
